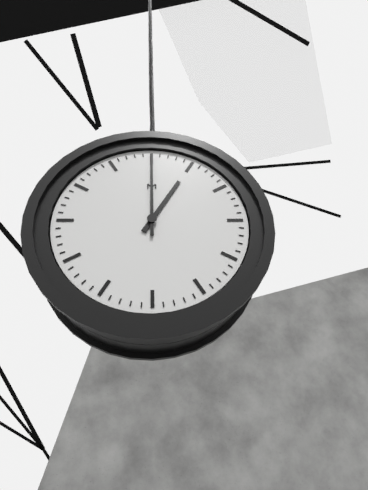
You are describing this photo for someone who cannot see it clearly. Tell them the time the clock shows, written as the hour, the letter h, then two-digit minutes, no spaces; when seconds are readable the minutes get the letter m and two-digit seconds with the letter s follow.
1h00
